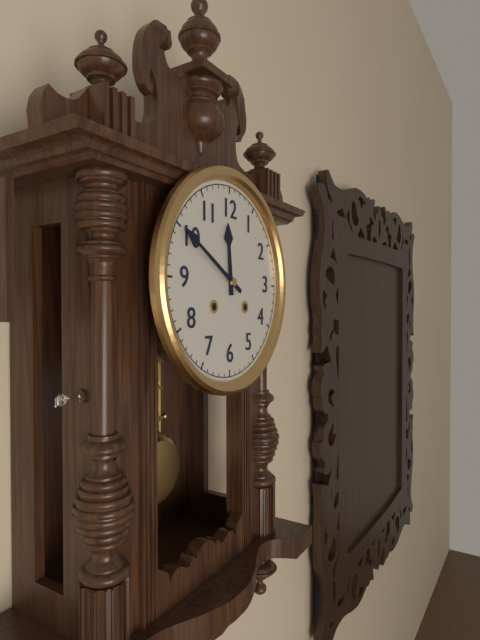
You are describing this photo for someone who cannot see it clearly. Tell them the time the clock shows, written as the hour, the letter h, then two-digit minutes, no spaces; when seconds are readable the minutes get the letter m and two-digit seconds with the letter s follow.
11h50
